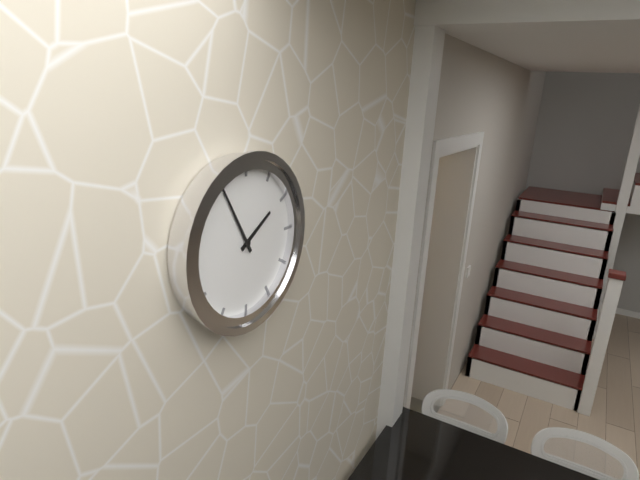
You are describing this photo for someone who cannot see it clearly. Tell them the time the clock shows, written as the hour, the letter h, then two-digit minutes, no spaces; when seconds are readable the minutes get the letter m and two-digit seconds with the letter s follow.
1h55
